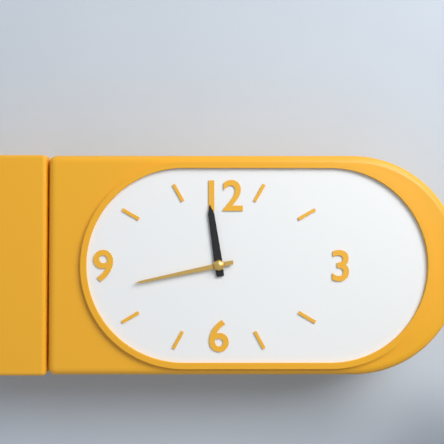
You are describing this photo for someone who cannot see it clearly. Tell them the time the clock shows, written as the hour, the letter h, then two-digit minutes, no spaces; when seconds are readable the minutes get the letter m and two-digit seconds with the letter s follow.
11h43
